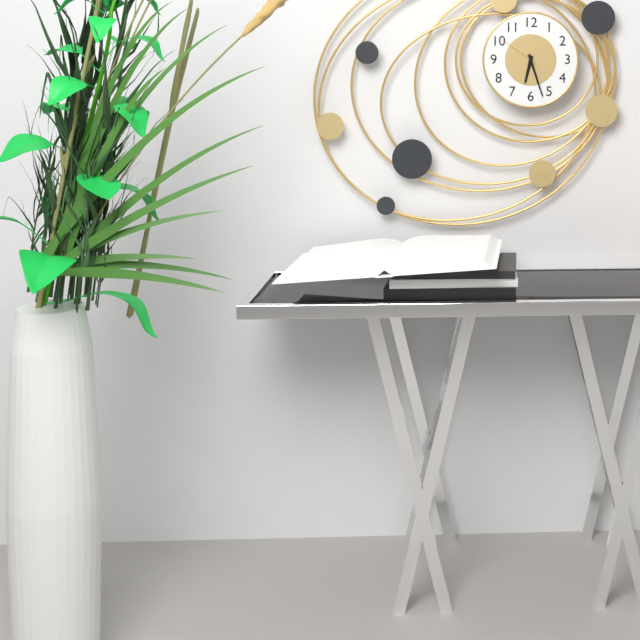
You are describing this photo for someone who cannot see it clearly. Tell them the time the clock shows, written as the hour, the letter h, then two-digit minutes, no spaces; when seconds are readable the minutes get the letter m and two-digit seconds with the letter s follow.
6h27
